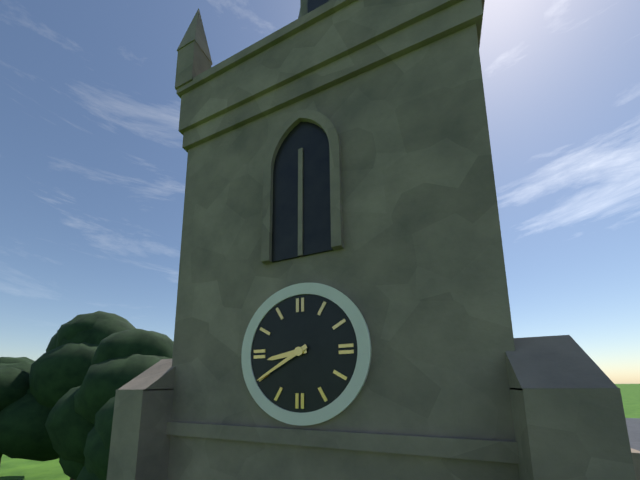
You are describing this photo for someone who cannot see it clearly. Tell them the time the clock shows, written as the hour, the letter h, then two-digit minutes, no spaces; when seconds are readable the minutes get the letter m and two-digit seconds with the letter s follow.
8h40
